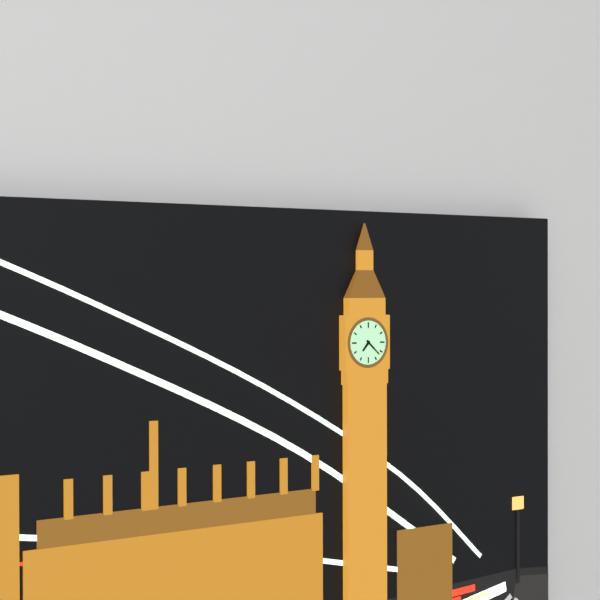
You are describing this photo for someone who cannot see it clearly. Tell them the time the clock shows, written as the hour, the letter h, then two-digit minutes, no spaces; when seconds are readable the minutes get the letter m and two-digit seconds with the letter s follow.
7h22
